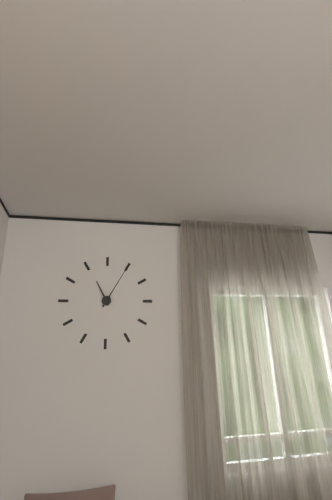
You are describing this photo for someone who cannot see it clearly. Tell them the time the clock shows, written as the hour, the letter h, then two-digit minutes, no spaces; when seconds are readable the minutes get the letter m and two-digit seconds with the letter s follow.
11h05
